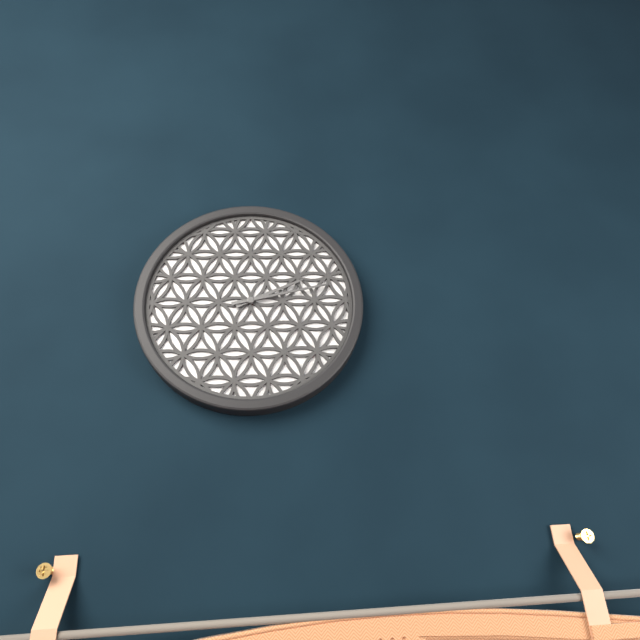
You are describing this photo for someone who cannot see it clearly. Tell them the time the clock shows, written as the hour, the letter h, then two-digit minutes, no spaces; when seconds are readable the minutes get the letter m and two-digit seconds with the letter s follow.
2h13
